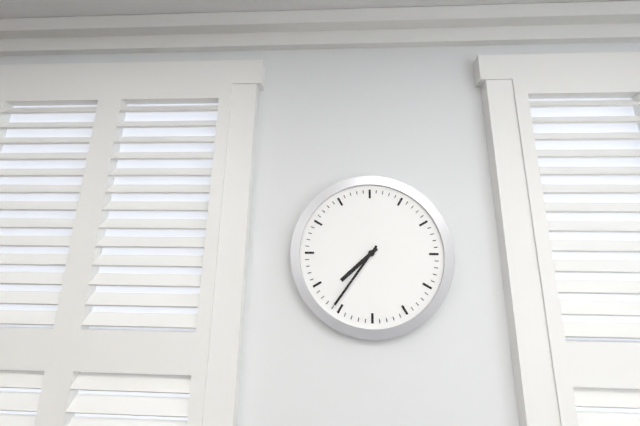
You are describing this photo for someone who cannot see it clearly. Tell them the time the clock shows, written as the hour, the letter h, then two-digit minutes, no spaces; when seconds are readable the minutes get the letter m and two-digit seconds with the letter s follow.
7h36
